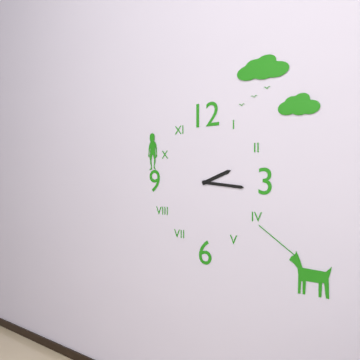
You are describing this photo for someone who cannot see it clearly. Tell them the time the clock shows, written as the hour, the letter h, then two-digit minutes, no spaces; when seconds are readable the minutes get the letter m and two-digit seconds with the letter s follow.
2h16
